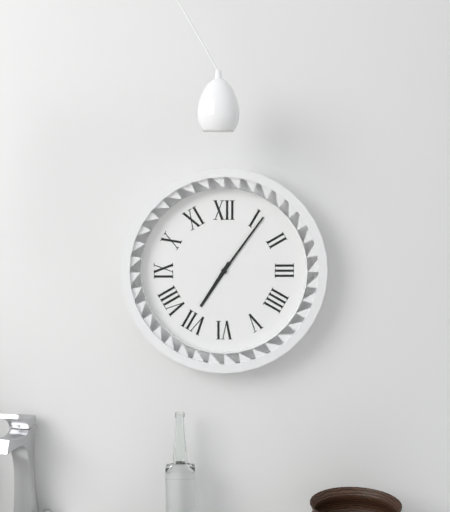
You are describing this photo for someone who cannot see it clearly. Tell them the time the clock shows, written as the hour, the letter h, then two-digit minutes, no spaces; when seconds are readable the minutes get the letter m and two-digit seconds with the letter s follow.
7h06
